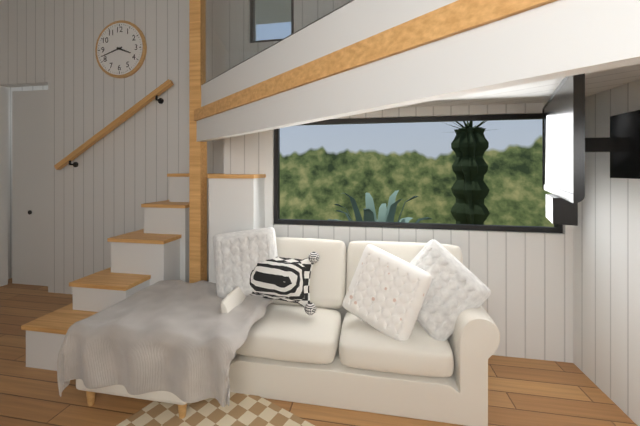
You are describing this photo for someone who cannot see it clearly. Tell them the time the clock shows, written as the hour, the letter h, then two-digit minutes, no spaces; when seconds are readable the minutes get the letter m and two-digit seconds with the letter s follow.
3h42
